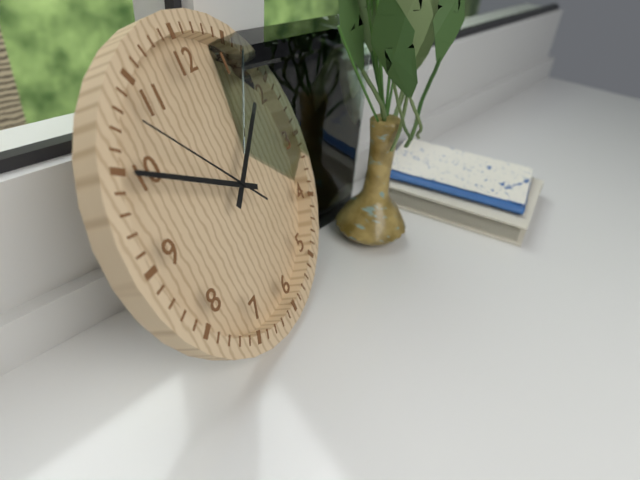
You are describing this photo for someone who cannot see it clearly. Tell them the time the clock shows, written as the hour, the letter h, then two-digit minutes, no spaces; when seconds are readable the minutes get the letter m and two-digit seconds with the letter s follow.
1h50m53s
